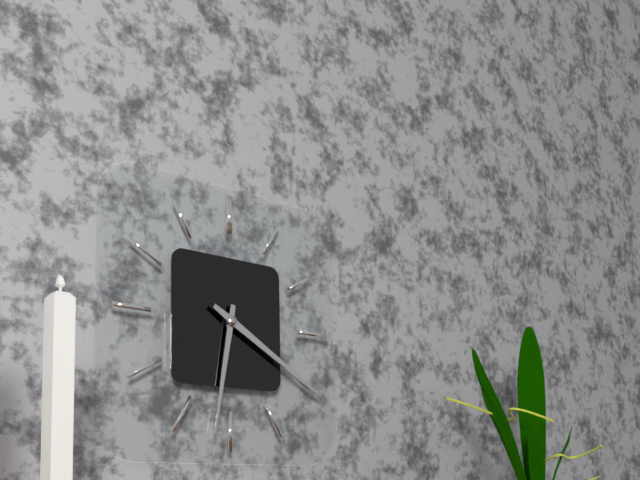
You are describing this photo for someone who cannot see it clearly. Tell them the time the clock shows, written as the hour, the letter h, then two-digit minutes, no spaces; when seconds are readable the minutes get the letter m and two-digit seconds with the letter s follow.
6h20
